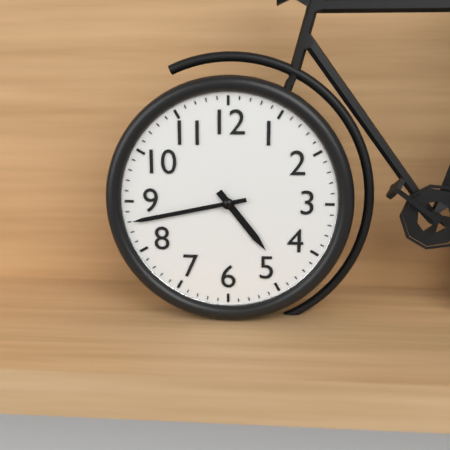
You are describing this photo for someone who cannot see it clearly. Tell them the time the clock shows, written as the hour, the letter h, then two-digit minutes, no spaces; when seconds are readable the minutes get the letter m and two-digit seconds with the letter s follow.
4h43
